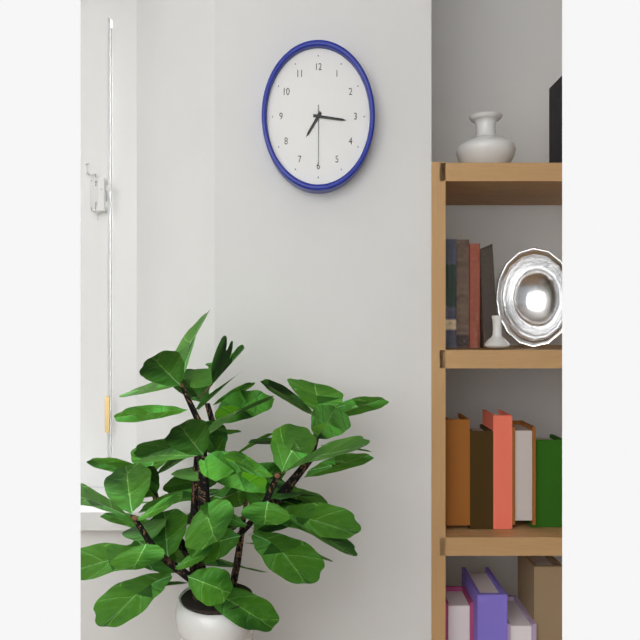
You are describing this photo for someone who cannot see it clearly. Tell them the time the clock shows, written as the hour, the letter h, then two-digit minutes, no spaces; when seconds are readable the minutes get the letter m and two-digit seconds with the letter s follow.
7h16m30s
